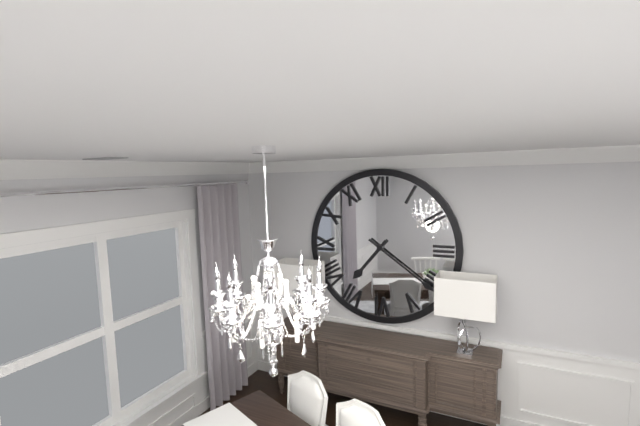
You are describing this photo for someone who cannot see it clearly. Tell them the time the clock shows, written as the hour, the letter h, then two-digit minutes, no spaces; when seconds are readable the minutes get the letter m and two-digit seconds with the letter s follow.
7h21
